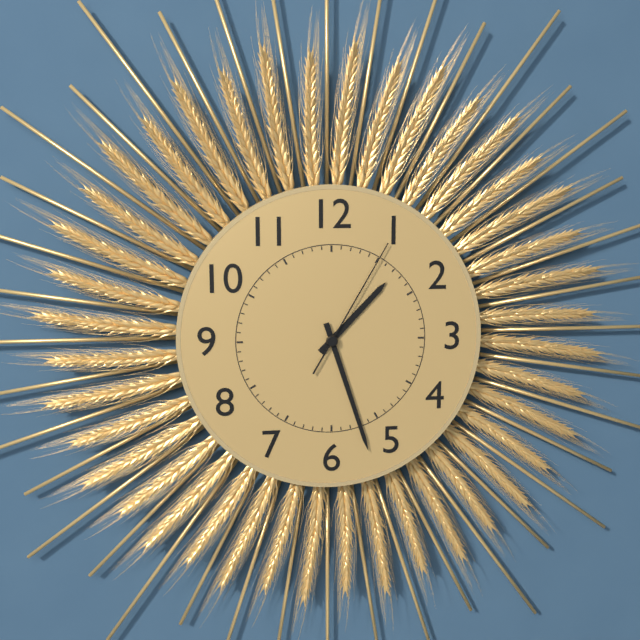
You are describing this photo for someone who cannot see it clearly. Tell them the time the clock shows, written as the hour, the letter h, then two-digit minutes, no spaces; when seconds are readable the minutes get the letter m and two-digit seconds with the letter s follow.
1h27m05s
